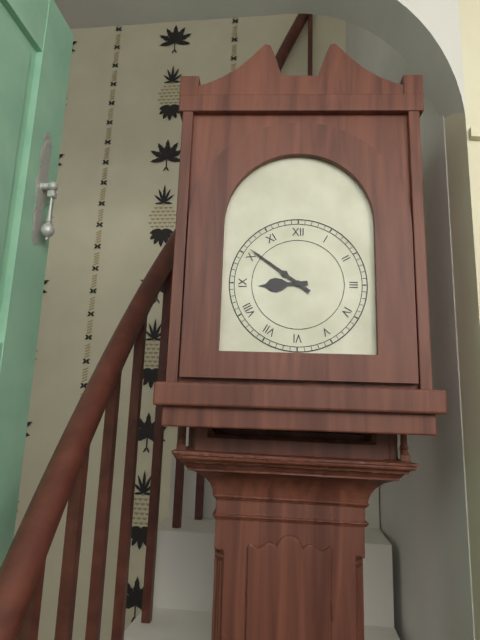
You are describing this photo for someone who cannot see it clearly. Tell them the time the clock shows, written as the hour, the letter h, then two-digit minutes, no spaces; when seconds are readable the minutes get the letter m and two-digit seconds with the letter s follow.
8h51
